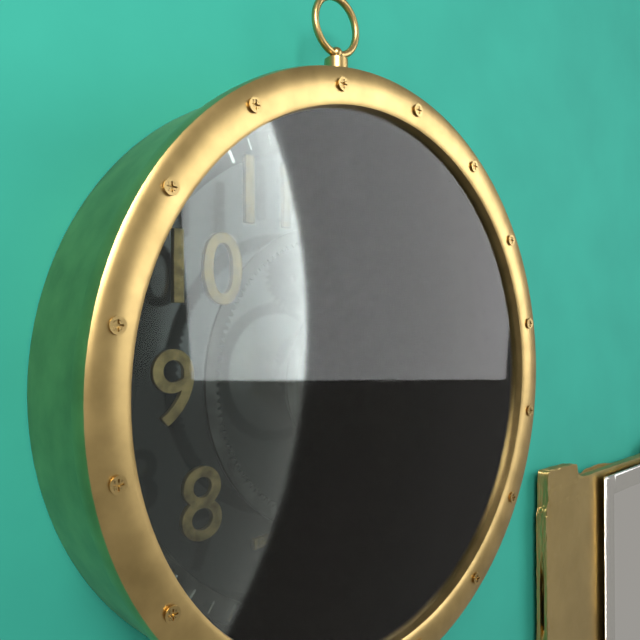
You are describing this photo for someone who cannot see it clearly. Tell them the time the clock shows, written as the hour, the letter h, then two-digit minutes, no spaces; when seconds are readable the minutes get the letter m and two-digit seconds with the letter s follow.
3h56
